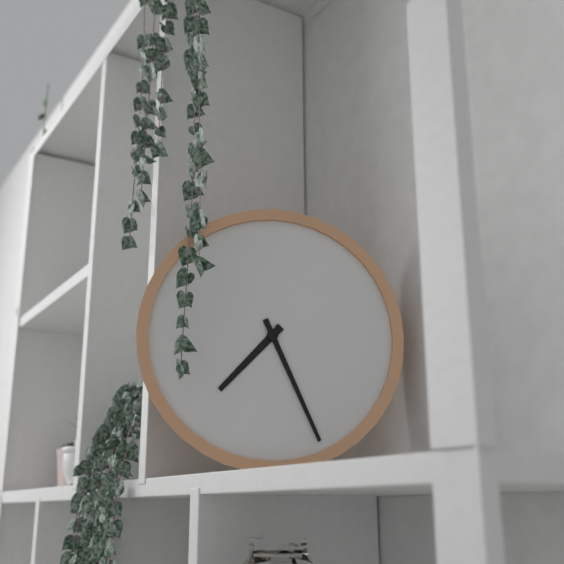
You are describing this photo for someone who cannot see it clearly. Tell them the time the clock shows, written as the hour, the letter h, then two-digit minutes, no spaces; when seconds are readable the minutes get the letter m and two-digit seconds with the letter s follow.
7h26
